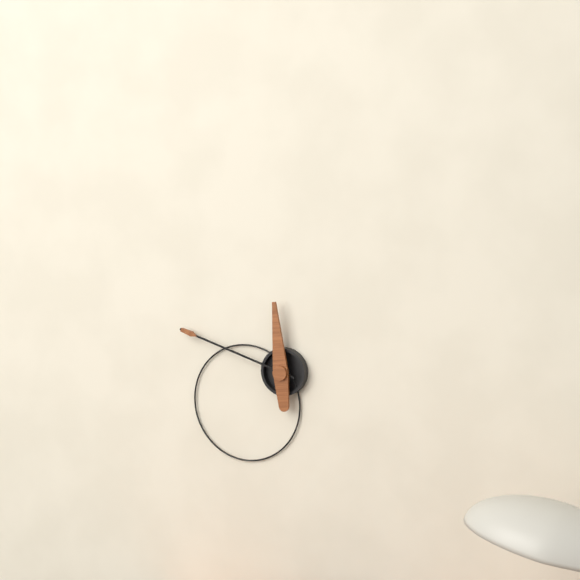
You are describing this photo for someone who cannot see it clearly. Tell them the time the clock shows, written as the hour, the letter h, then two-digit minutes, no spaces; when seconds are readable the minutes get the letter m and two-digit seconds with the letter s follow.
11h48
